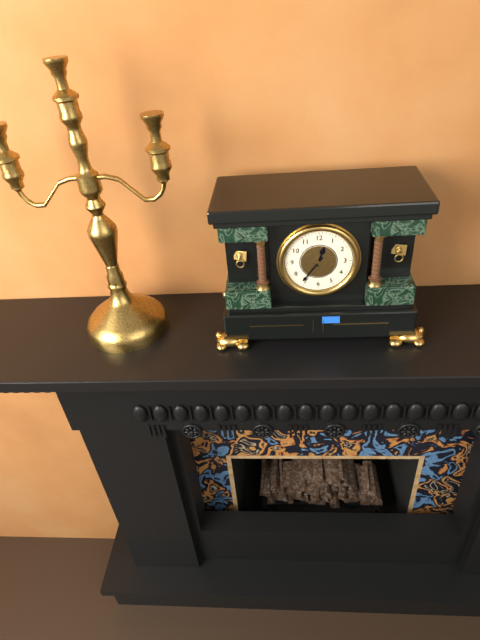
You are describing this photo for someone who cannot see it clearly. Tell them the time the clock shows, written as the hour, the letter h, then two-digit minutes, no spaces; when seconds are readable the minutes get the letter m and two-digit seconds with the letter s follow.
12h36
